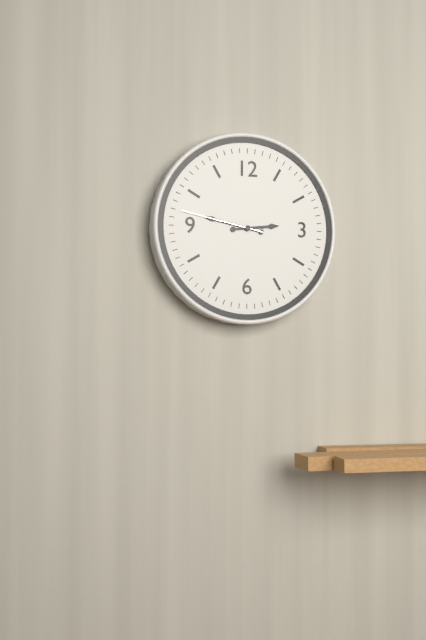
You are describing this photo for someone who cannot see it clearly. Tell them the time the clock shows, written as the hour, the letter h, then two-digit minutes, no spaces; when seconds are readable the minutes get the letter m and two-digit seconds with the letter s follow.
2h47m47s
